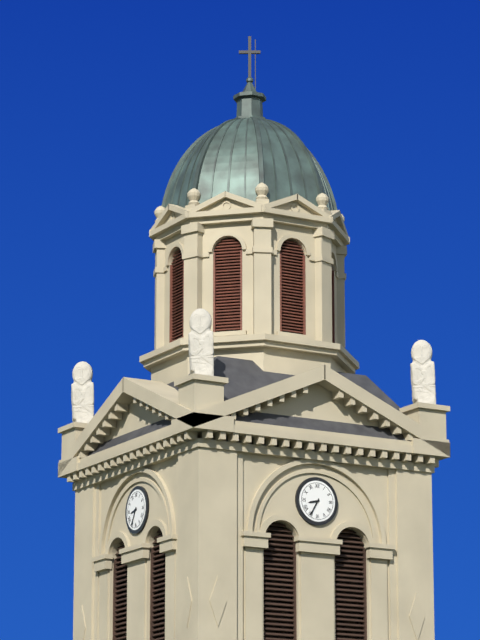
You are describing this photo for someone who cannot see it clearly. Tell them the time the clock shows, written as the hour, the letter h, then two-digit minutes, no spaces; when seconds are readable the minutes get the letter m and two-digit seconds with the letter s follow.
8h35
